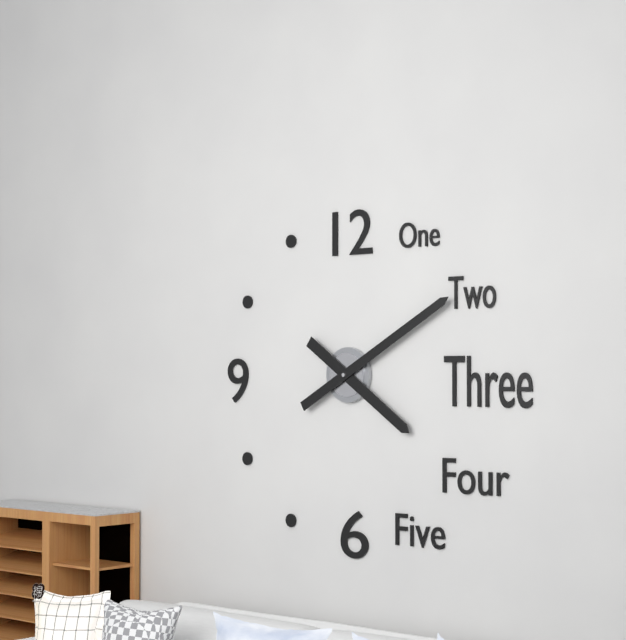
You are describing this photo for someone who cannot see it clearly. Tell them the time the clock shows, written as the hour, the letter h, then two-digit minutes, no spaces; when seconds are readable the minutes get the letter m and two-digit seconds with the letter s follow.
4h10
